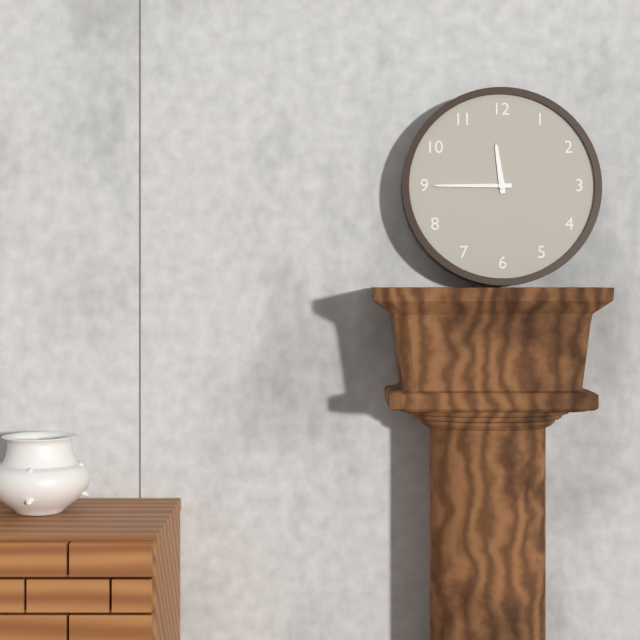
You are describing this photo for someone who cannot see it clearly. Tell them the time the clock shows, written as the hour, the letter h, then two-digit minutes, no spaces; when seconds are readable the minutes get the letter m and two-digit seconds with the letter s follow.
11h45
